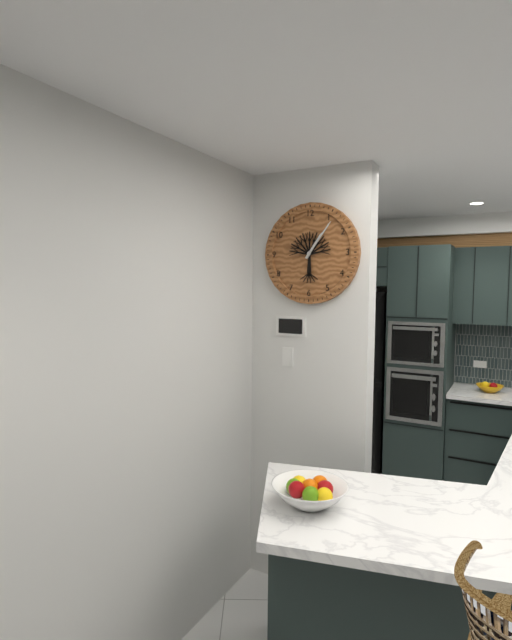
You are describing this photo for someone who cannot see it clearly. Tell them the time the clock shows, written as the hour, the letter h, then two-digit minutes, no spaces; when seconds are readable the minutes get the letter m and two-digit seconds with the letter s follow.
1h06
